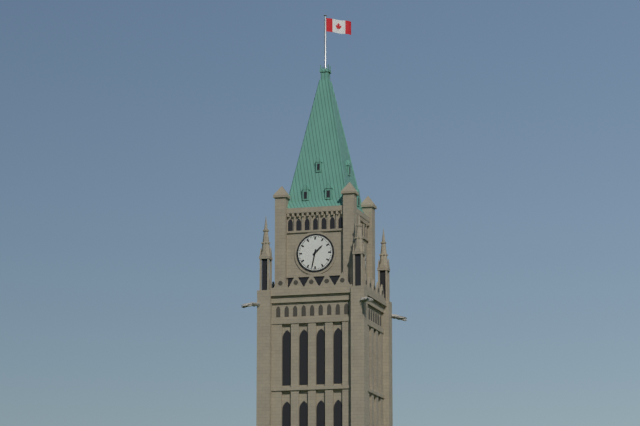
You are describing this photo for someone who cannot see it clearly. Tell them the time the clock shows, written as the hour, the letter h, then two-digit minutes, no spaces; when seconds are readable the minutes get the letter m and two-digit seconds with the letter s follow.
1h32
